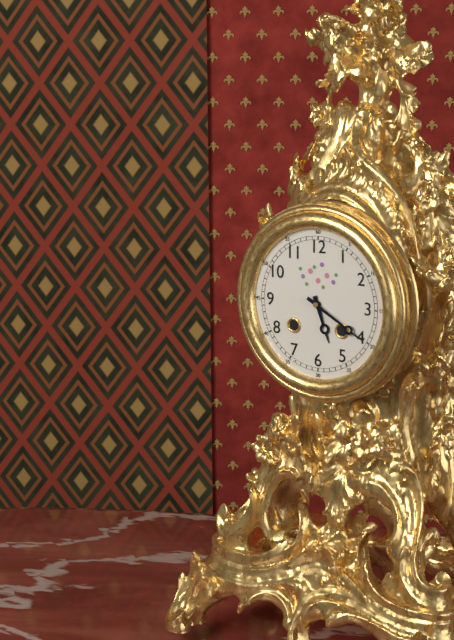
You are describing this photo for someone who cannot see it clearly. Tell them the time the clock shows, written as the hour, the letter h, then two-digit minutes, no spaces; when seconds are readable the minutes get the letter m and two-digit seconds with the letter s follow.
5h20
